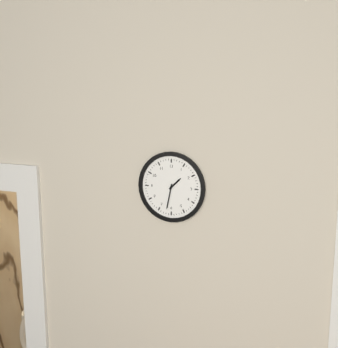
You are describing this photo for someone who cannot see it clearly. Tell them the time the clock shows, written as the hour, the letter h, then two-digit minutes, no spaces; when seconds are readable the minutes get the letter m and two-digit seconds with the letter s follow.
1h32
